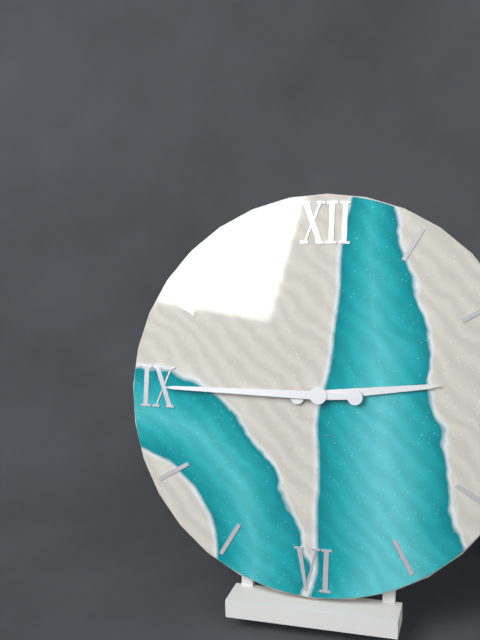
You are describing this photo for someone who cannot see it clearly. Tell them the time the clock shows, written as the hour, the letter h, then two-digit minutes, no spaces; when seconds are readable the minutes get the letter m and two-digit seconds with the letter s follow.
2h45
